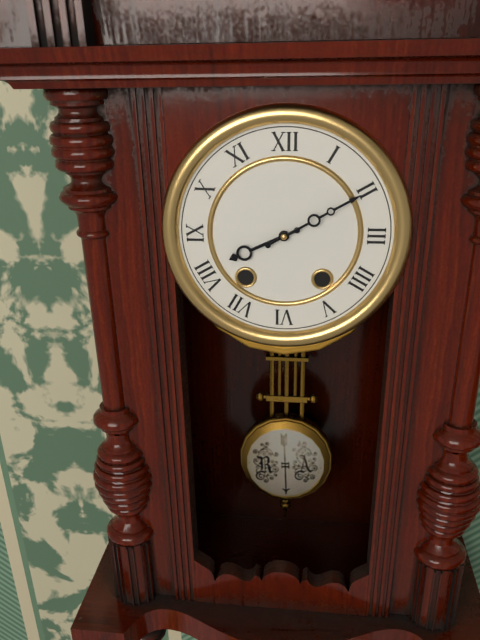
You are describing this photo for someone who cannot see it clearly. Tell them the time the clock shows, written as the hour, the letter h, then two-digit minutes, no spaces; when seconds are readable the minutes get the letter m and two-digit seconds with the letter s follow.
8h10
